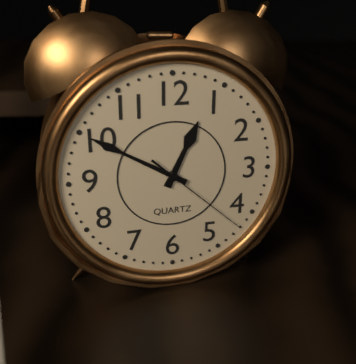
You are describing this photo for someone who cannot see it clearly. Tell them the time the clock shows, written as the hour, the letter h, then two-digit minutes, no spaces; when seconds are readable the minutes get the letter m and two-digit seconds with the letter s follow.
12h50m22s
